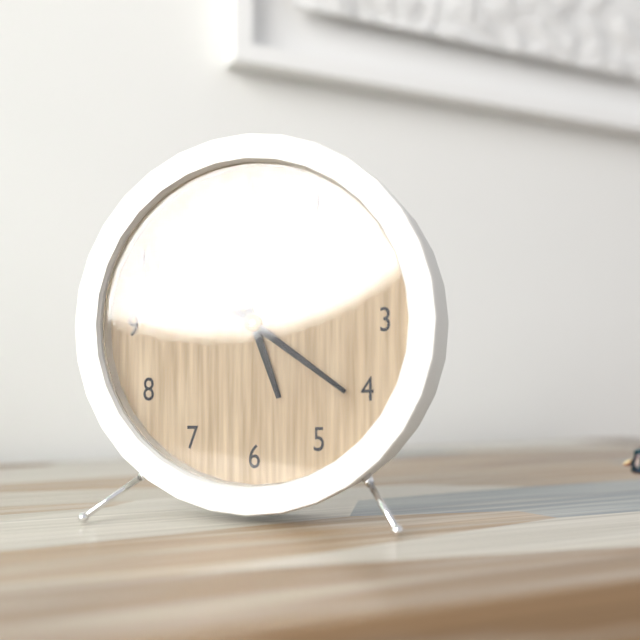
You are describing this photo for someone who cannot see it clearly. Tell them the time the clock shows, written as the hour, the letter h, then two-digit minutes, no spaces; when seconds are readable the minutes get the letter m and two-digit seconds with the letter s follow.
5h21
